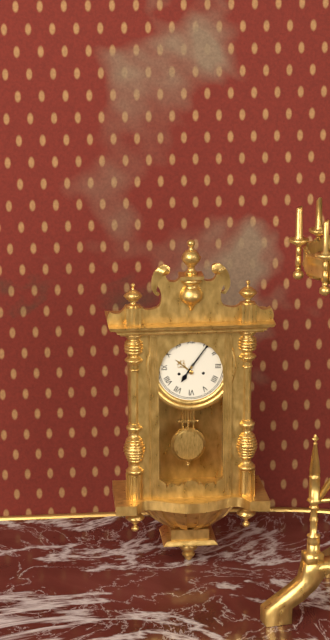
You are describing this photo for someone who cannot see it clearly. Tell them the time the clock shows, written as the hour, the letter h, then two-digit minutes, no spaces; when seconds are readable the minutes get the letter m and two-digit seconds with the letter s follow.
7h06
